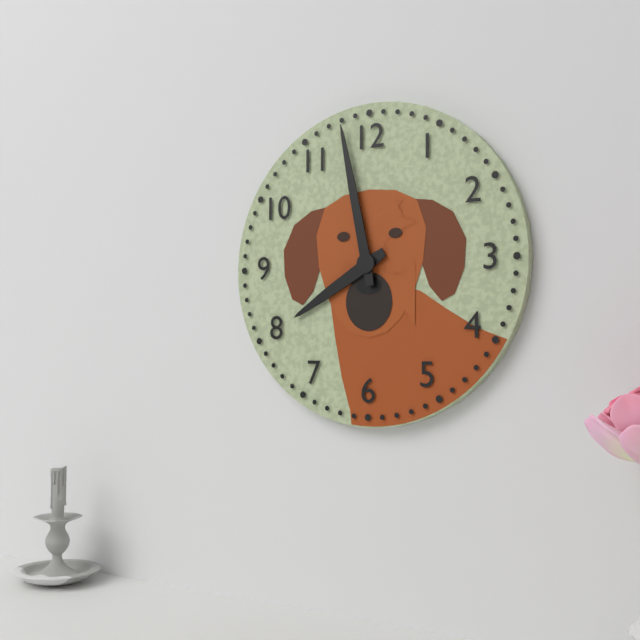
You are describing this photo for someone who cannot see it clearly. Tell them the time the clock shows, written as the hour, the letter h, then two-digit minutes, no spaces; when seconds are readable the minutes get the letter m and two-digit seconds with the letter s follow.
7h58
